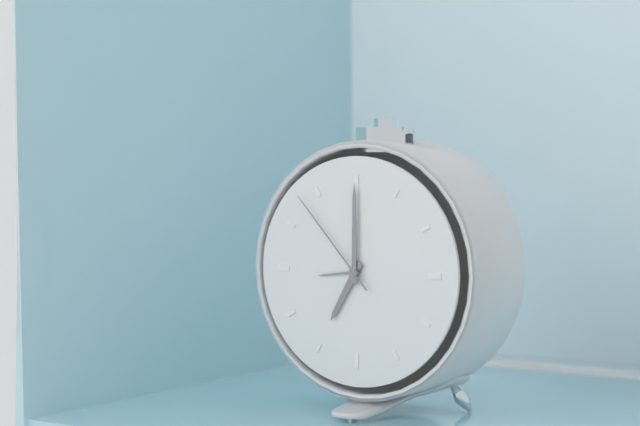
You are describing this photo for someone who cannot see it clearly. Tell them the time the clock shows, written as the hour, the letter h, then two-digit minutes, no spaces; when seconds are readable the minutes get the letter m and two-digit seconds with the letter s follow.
7h00m53s
